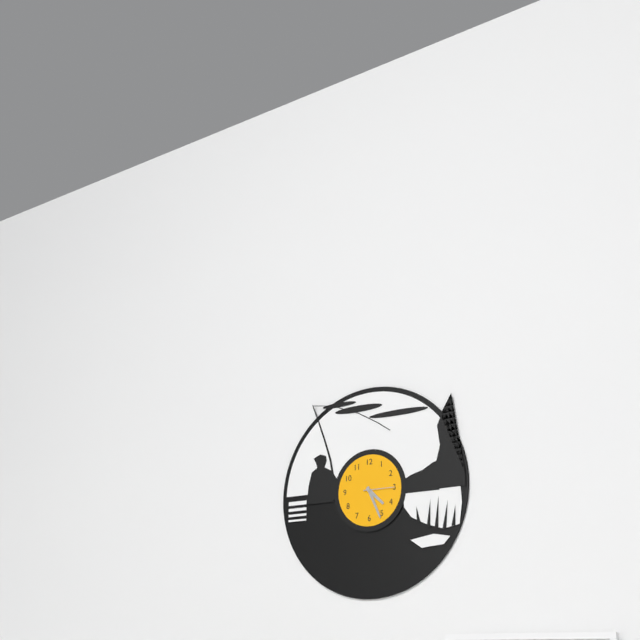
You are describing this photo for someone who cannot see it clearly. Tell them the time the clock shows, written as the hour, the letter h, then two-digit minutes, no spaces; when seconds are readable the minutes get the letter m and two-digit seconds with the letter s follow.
4h26
